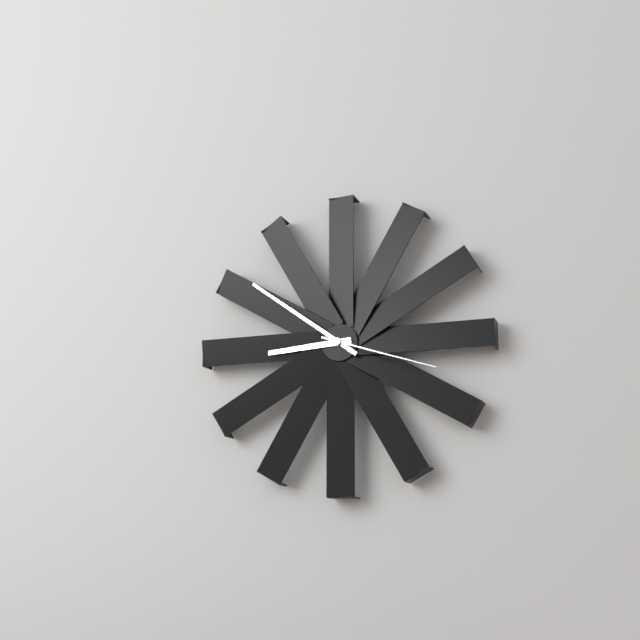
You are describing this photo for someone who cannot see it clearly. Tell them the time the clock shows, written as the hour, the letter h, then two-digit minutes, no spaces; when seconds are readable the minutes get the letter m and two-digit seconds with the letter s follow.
8h51m18s
